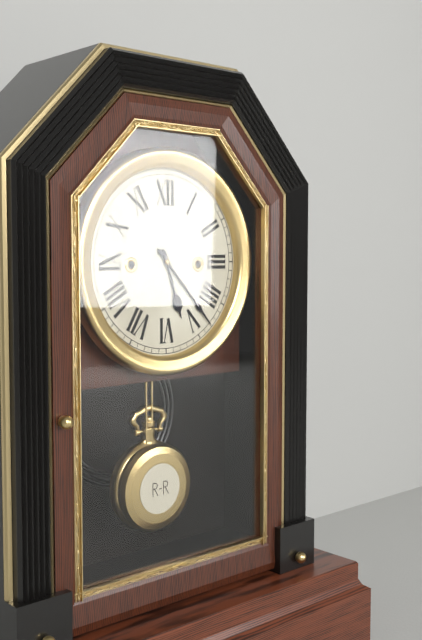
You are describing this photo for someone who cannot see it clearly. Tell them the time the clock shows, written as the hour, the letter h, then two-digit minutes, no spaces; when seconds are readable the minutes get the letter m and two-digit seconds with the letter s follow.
5h23
